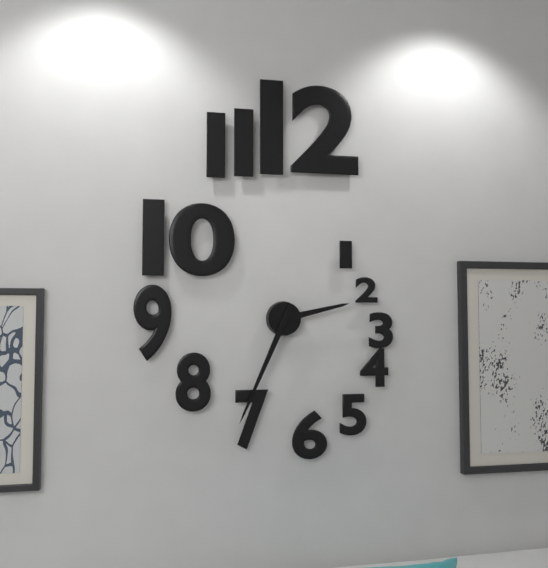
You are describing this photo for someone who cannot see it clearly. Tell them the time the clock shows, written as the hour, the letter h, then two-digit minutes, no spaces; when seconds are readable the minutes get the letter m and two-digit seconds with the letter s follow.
2h34
